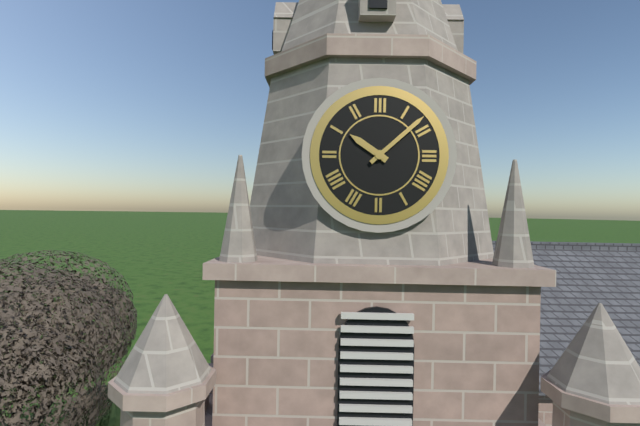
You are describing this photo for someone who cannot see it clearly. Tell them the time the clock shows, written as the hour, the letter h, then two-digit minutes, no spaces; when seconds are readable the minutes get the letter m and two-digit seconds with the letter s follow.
10h08
